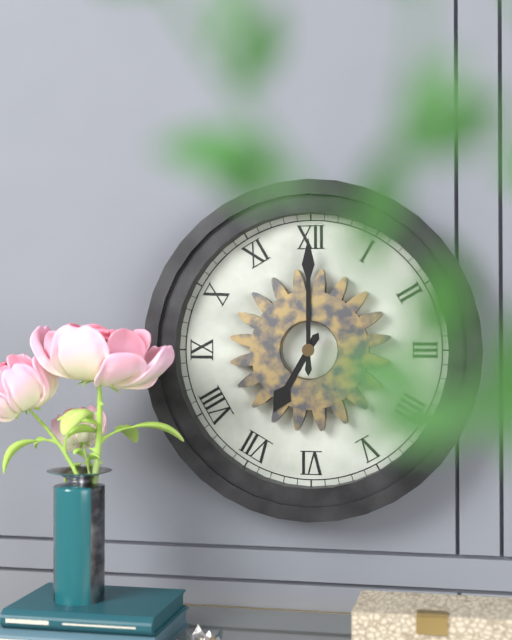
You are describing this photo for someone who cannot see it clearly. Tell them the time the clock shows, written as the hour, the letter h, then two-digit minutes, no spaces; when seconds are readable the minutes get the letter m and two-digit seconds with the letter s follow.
7h00
